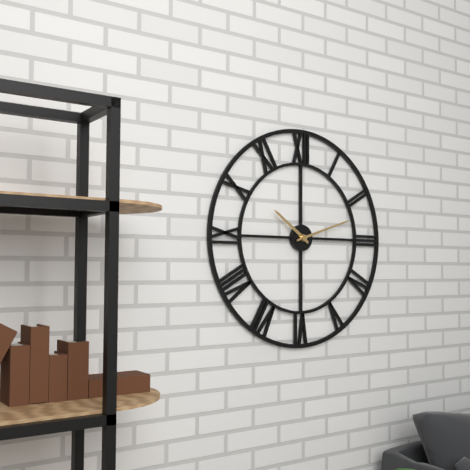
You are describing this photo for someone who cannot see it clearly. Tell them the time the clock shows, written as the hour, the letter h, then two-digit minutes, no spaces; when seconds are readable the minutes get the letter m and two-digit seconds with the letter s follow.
10h12
